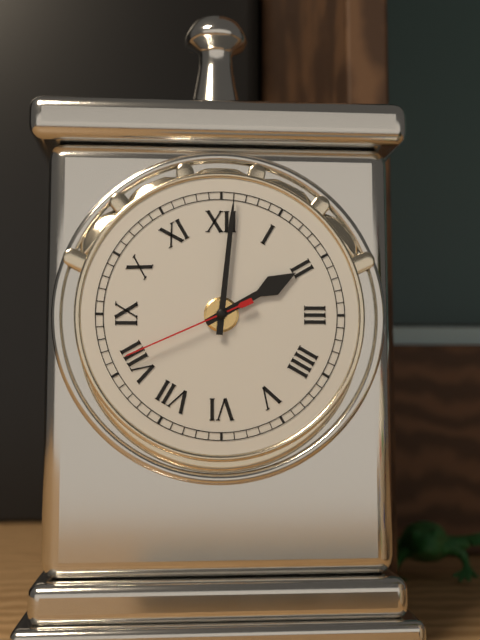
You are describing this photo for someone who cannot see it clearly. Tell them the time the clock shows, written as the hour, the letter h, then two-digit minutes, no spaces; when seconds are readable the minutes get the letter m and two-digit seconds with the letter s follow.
2h01m41s
